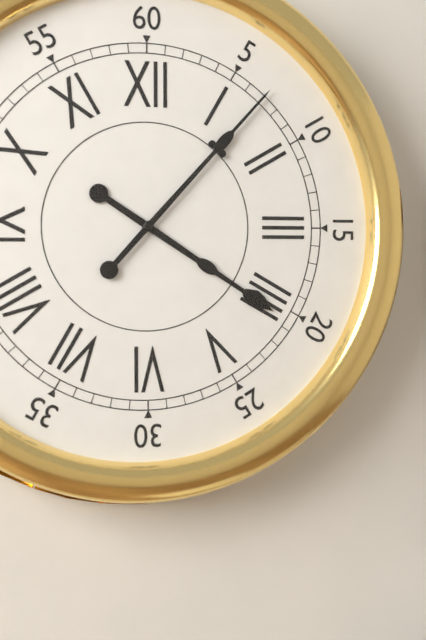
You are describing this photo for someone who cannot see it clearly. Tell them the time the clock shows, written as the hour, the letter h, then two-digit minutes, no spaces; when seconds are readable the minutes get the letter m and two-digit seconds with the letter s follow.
4h07
